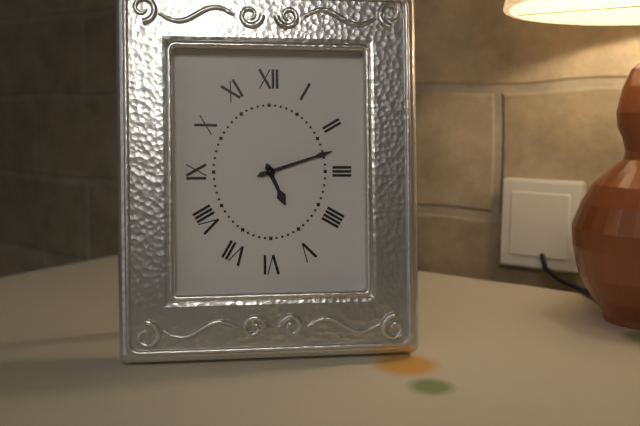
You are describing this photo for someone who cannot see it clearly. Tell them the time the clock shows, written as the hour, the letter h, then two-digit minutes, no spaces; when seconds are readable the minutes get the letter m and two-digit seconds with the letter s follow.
5h12
